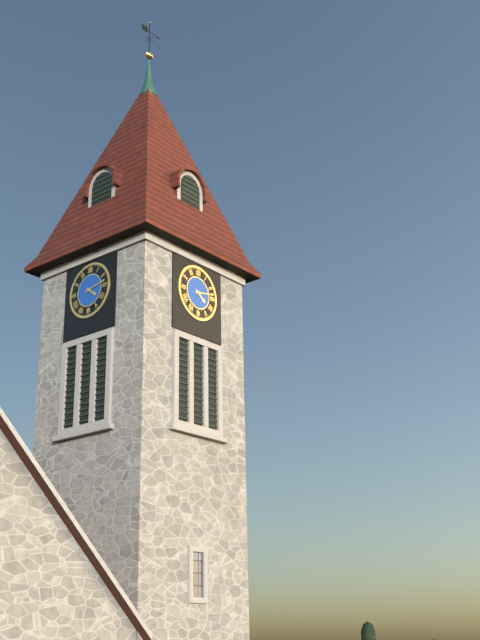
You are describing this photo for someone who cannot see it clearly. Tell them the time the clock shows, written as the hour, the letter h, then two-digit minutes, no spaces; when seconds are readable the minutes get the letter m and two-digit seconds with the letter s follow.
4h13
